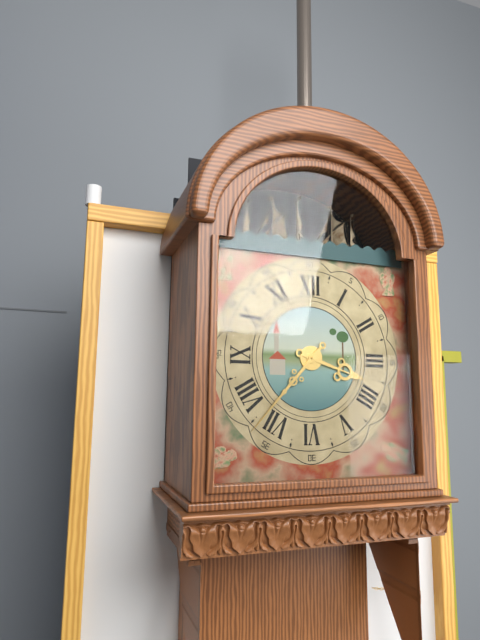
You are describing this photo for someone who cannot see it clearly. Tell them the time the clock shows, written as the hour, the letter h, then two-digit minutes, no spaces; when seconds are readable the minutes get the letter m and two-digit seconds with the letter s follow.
3h37
